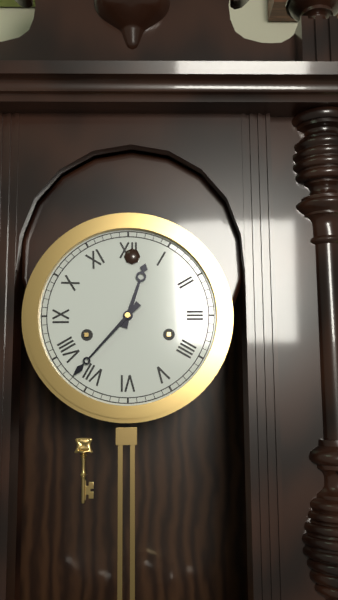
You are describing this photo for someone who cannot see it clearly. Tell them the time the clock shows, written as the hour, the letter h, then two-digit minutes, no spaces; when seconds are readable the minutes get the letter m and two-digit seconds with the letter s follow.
12h37
